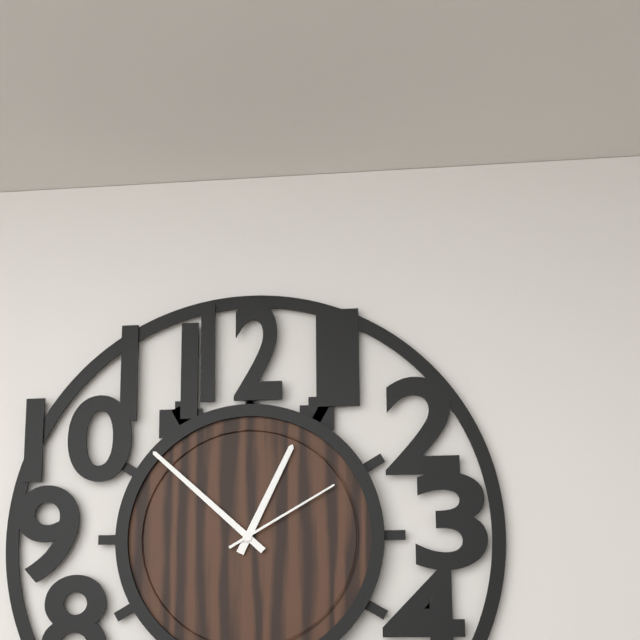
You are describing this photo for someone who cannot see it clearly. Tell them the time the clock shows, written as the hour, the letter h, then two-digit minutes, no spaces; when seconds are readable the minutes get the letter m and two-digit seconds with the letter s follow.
12h52m10s
